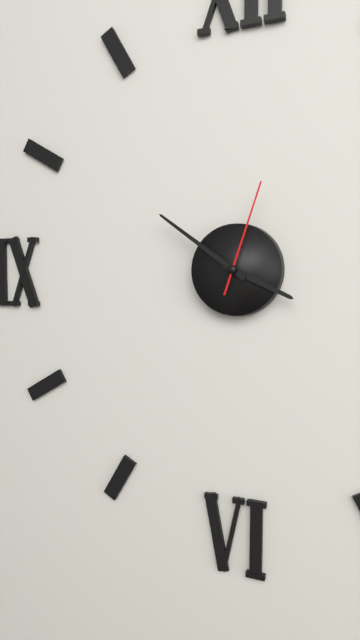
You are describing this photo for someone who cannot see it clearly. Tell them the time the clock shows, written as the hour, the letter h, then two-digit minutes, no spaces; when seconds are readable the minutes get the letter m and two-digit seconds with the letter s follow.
3h51m03s
